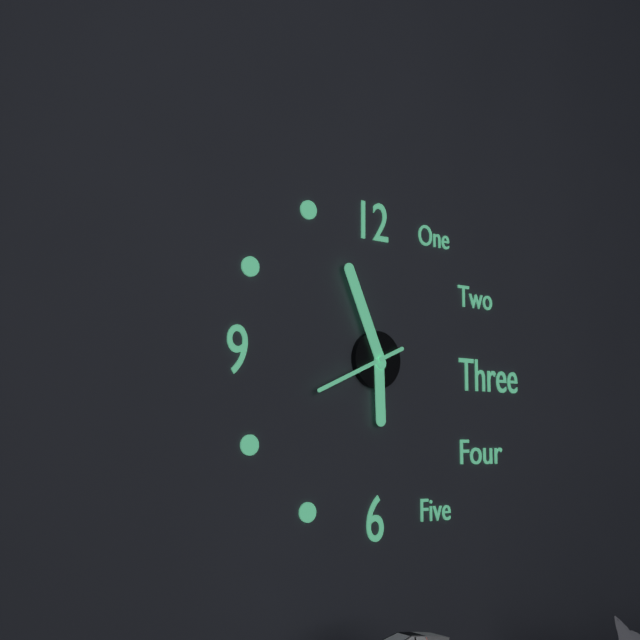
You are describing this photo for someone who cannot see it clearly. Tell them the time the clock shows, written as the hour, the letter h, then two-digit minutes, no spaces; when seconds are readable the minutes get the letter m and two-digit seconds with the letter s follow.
5h56m41s
